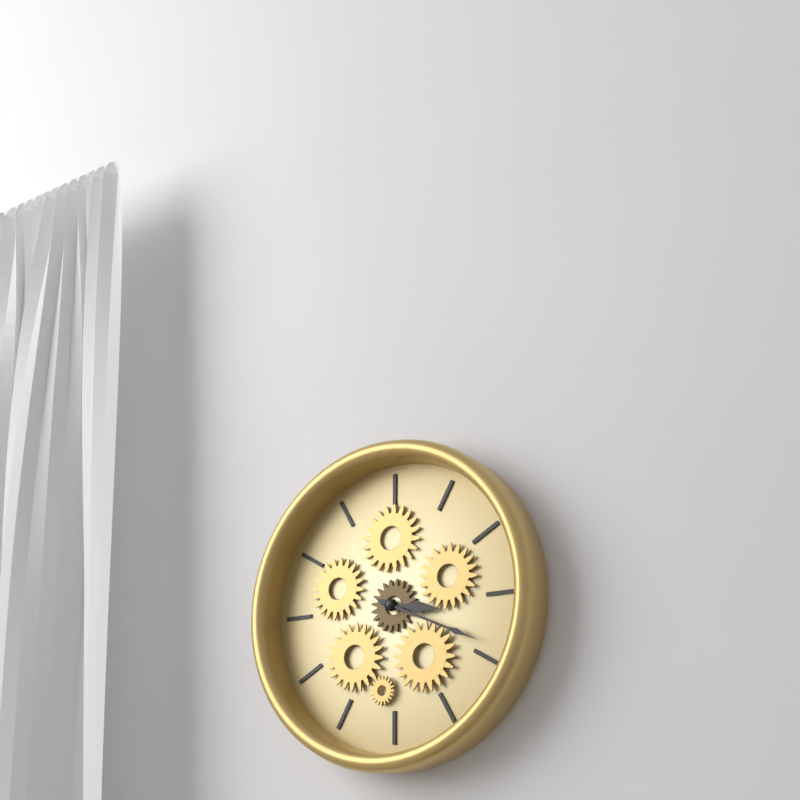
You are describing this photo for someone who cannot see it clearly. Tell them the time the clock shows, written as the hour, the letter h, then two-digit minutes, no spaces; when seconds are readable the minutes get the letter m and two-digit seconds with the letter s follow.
3h19
